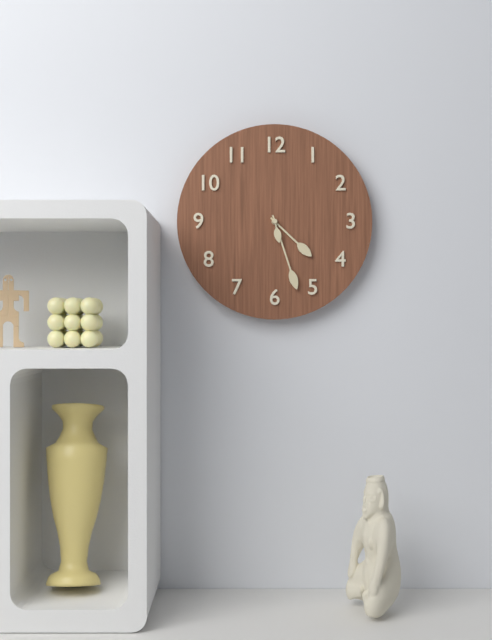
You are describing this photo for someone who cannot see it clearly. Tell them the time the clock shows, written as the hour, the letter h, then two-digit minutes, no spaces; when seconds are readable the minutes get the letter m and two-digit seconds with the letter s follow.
4h27
